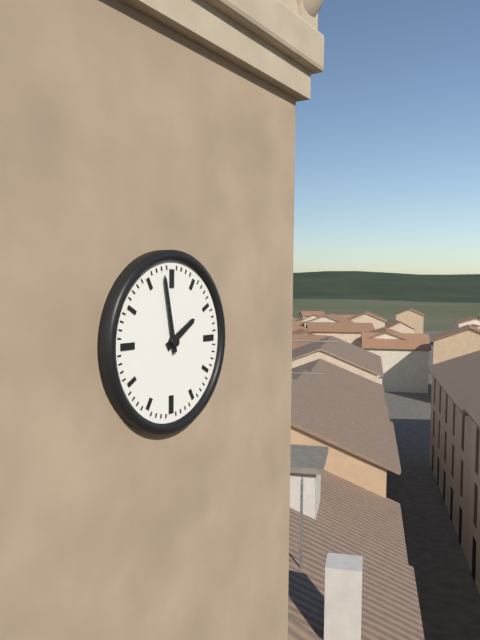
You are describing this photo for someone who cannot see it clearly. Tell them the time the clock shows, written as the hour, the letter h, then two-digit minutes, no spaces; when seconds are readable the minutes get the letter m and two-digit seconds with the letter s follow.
1h58
